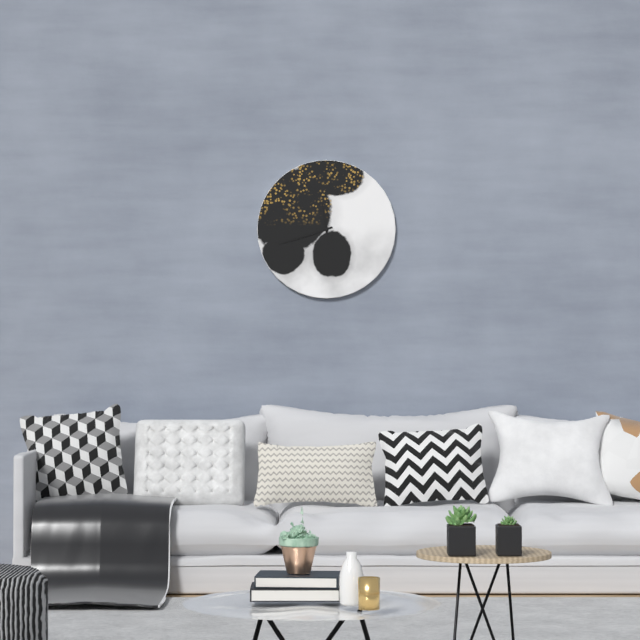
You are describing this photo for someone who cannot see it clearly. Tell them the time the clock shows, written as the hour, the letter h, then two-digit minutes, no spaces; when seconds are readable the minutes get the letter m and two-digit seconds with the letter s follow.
11h42
